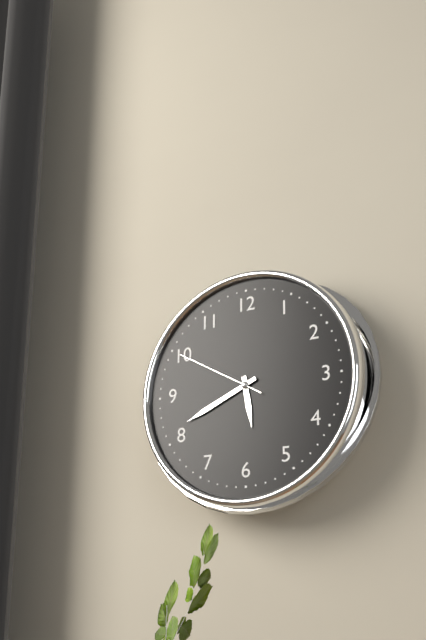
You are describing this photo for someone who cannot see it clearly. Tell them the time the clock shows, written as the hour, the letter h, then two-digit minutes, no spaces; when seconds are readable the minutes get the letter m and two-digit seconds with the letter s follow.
5h41m50s
